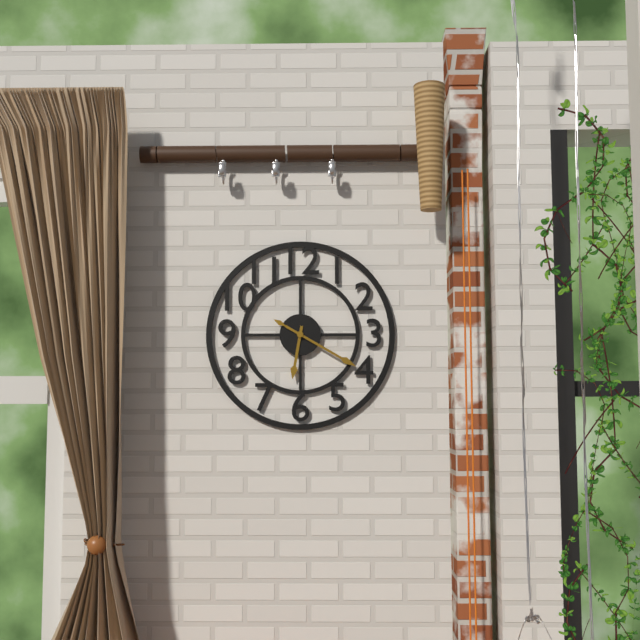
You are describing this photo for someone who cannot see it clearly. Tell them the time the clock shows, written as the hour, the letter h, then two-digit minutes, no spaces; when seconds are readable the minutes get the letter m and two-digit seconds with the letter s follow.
6h20
